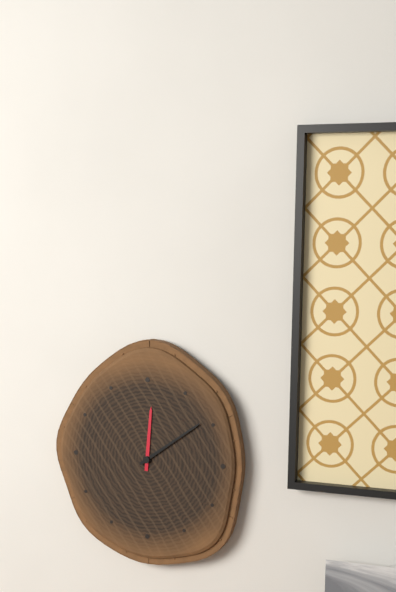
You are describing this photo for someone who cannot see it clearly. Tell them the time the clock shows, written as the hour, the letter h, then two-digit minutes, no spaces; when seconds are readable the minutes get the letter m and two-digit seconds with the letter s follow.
12h09
